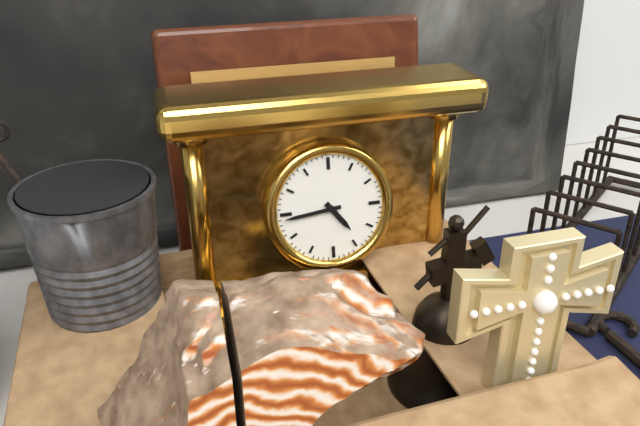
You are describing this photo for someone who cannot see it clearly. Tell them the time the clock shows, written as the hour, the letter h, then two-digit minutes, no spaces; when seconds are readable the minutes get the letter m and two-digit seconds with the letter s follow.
4h44
